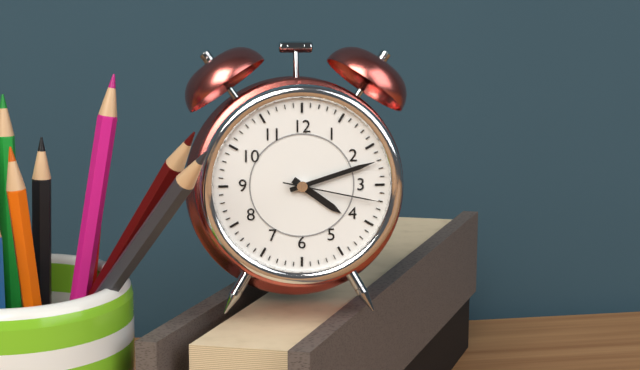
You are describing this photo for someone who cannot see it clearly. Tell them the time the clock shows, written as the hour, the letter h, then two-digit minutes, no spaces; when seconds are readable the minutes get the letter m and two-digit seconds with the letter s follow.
4h12m17s
